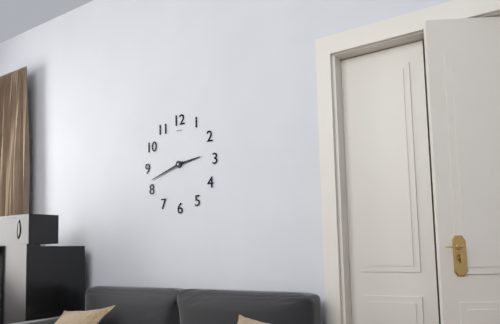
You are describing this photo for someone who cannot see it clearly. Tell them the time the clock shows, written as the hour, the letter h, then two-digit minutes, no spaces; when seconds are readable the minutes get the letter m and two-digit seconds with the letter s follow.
2h42
